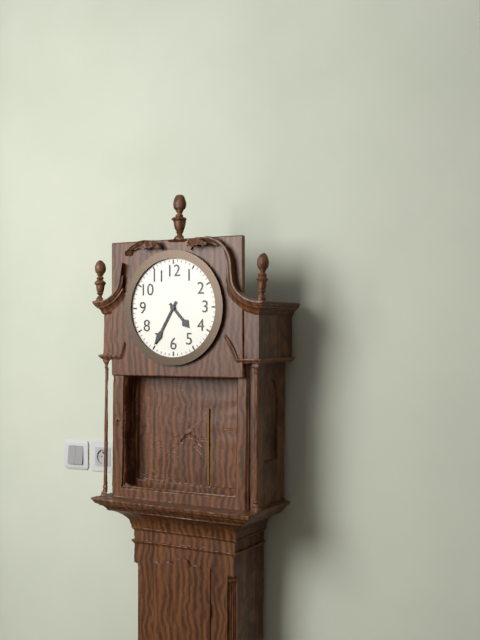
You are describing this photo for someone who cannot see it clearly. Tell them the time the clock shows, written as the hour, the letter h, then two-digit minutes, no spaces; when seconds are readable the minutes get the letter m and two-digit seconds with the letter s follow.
4h35
